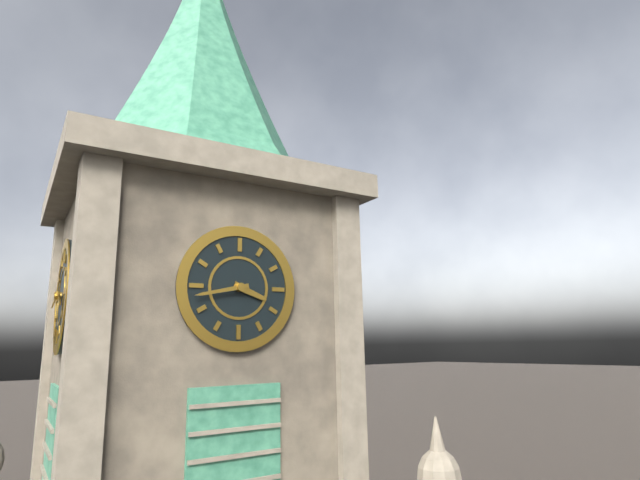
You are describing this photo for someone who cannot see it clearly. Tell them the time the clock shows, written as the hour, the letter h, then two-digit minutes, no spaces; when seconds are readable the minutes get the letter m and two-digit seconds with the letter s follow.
3h43
